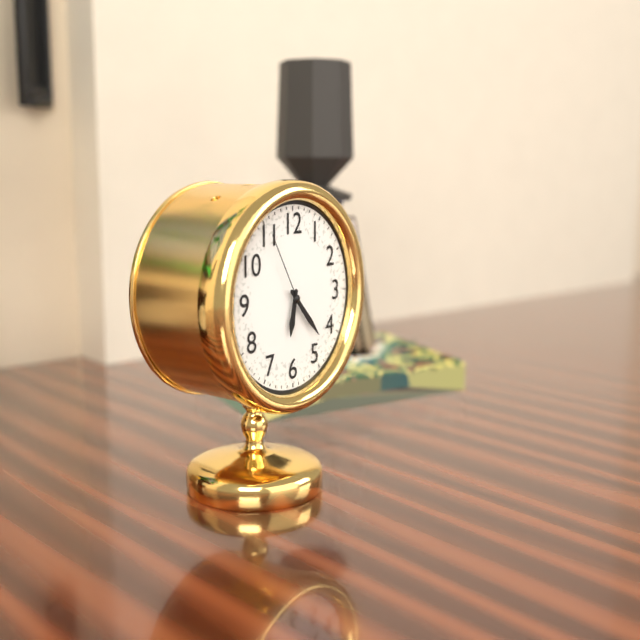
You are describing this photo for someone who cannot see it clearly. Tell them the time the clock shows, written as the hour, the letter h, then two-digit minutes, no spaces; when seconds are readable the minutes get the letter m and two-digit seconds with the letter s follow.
6h23m55s
